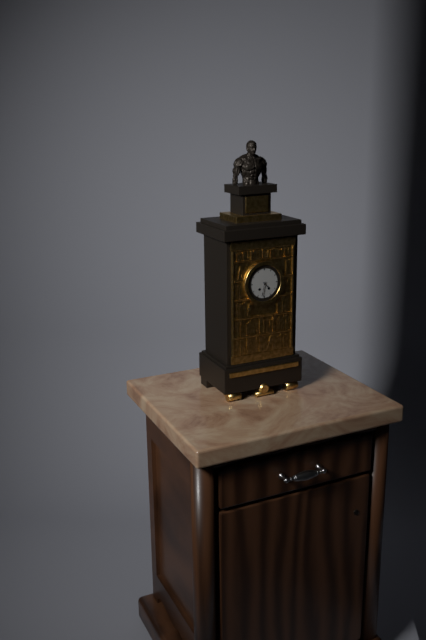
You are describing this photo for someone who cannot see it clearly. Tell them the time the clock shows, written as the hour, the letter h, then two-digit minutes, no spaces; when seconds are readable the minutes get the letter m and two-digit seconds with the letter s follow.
4h32
